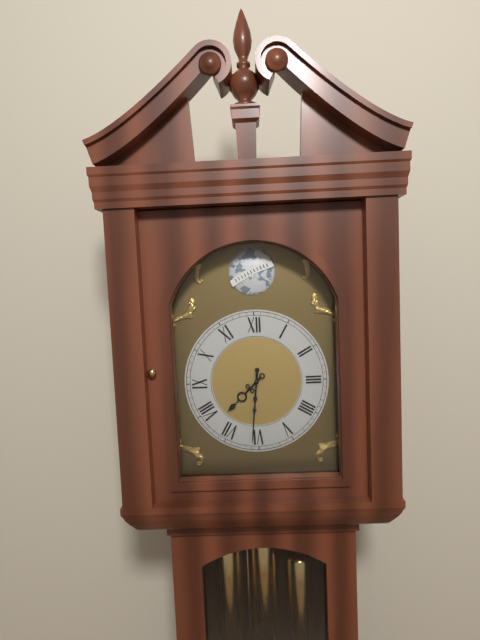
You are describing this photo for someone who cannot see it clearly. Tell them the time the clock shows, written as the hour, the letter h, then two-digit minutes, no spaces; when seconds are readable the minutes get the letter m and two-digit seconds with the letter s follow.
7h31
